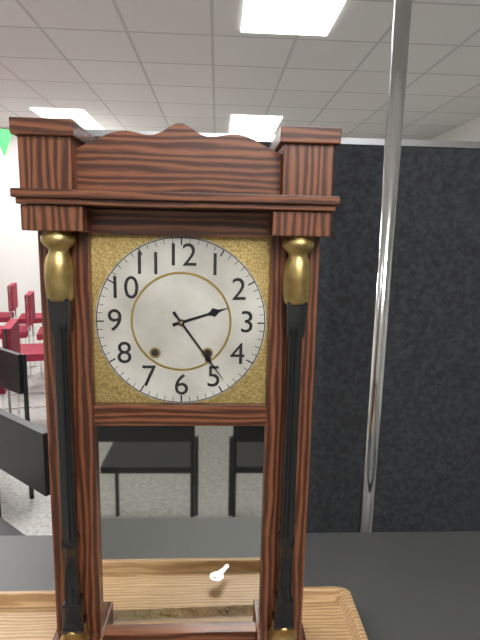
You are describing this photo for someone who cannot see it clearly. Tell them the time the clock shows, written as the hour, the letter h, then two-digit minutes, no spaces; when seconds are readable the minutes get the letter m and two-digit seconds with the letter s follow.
2h24
